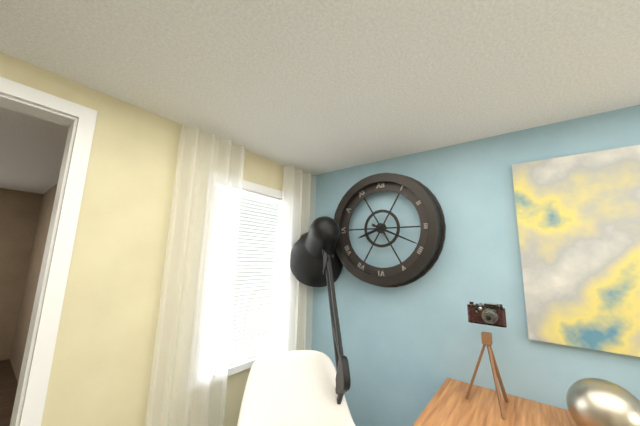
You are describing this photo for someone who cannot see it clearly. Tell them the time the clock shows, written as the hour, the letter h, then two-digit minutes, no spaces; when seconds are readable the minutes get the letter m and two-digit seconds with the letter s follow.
8h19
